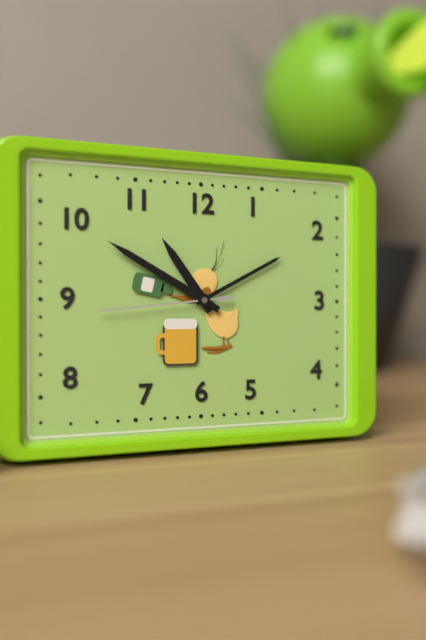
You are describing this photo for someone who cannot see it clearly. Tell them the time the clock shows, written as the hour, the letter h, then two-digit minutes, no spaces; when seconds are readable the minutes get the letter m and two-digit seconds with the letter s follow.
10h50m44s
